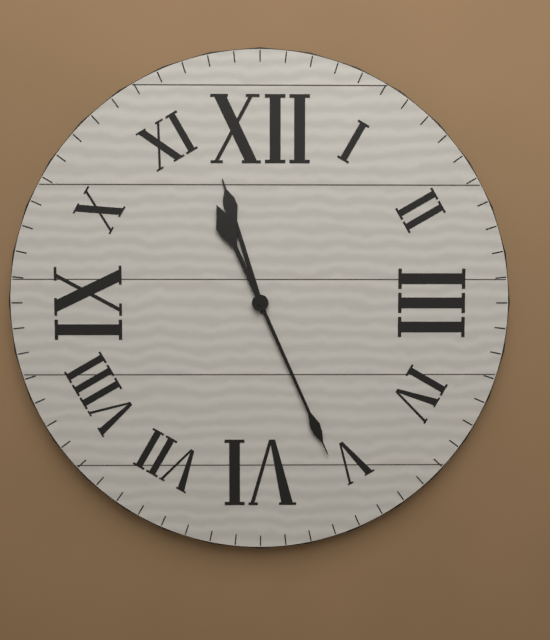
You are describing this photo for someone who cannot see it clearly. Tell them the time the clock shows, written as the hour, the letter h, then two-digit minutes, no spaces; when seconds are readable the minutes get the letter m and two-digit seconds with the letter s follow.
11h26
